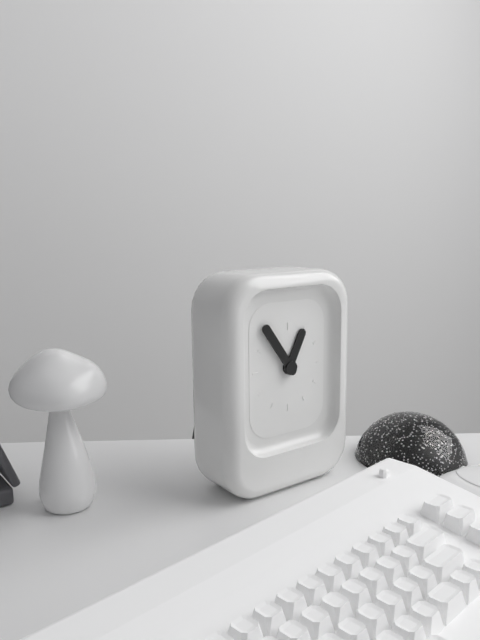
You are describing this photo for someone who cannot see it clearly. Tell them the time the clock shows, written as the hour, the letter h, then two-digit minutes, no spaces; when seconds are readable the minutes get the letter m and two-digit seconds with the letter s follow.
12h54
